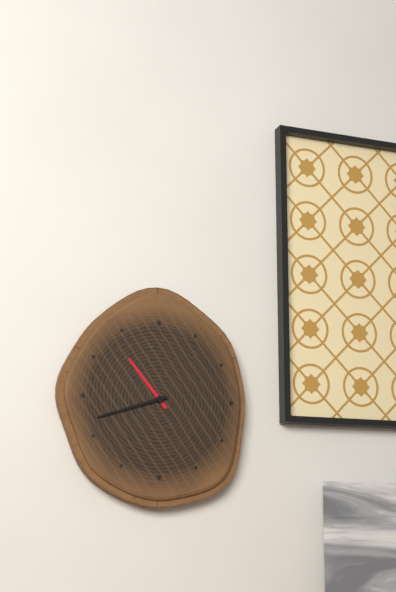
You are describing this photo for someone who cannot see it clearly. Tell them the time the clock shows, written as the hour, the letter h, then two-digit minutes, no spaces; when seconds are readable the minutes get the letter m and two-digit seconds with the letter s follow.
10h42
